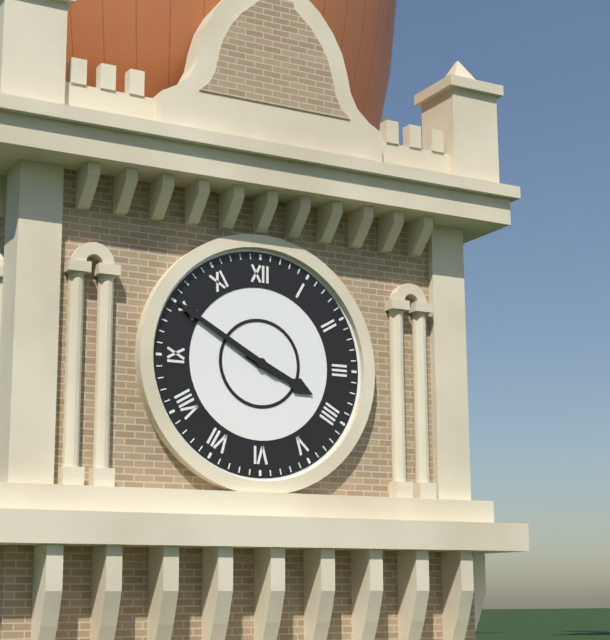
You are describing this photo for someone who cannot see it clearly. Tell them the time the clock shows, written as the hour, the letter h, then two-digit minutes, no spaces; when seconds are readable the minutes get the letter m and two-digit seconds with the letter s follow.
3h50
